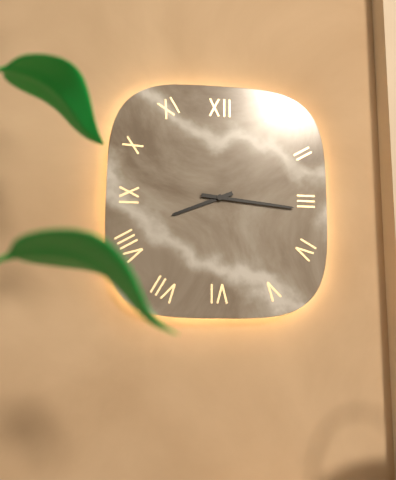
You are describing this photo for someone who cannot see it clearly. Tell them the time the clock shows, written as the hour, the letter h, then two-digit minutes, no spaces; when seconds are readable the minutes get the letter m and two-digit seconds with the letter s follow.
8h16
